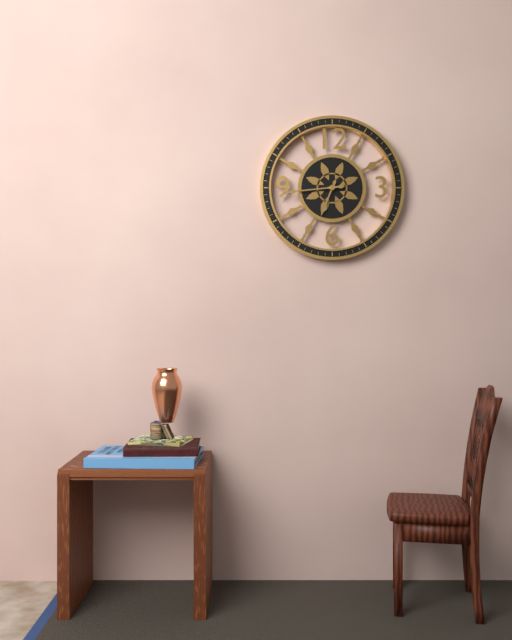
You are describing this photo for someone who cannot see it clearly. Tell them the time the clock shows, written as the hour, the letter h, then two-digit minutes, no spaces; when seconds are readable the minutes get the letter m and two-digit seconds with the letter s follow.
6h44
